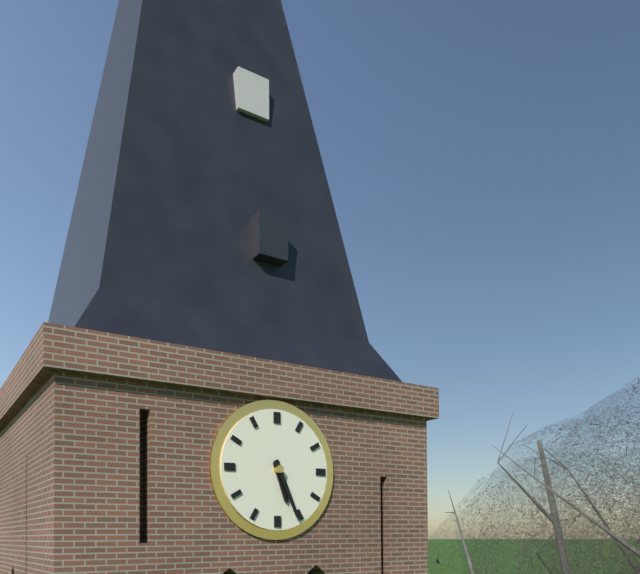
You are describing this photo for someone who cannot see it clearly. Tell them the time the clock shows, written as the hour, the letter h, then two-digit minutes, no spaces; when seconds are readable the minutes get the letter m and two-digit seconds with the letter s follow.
5h26
